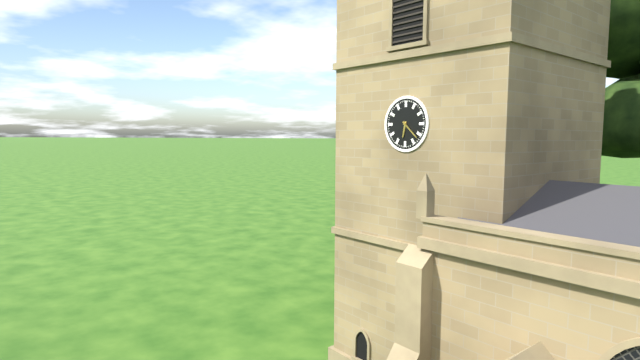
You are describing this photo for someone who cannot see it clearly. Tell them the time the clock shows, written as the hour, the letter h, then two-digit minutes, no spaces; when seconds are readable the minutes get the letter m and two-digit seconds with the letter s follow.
6h22
